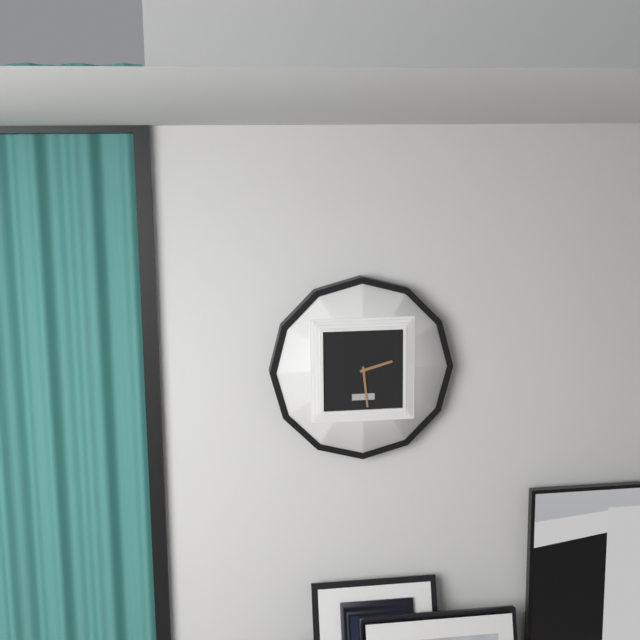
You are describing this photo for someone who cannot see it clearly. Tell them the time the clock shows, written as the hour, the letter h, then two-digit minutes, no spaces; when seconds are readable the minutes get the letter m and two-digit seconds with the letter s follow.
2h29
